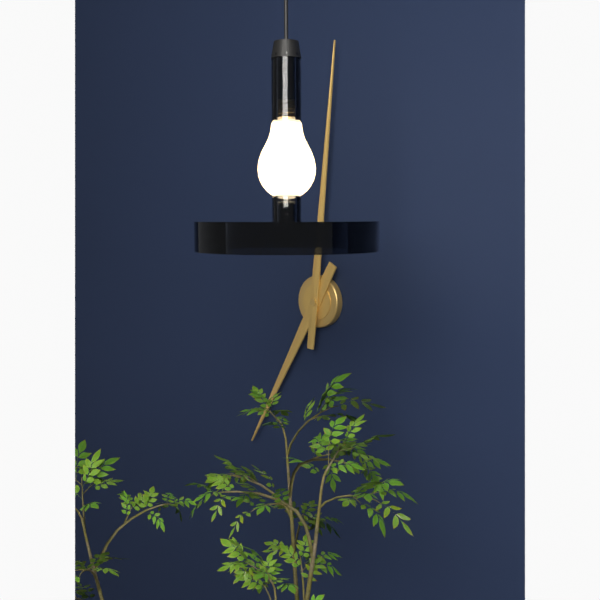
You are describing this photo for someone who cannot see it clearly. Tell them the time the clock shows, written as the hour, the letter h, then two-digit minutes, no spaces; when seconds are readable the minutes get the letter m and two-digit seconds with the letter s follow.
7h01
